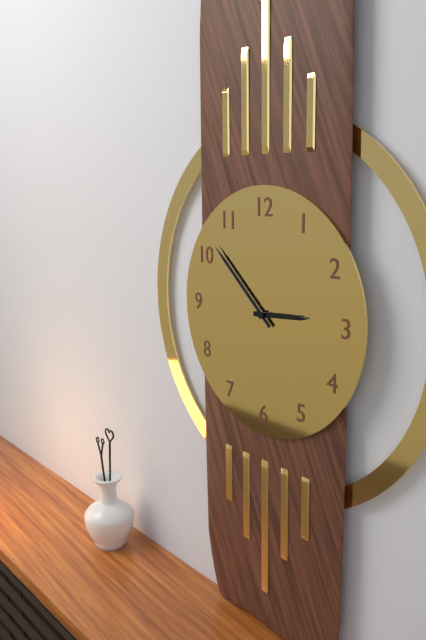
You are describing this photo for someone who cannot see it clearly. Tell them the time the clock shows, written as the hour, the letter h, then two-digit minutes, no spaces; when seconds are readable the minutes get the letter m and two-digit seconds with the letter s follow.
2h52
